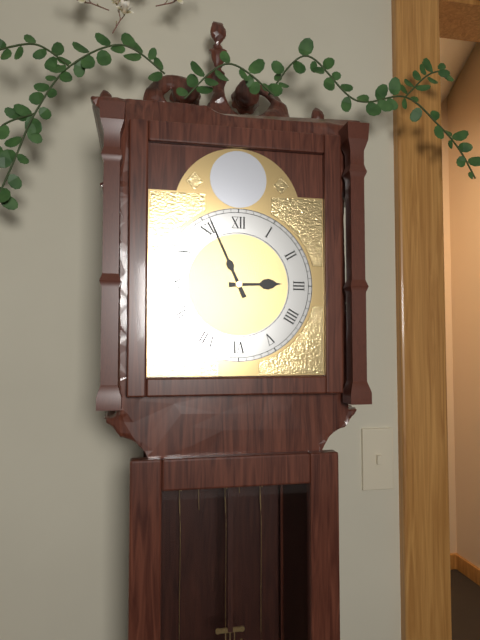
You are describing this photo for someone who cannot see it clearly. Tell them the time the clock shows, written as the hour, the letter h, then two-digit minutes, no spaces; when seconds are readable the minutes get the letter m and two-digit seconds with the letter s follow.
2h56
